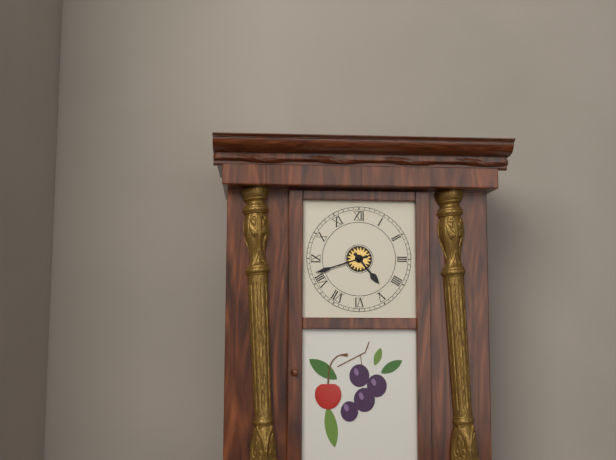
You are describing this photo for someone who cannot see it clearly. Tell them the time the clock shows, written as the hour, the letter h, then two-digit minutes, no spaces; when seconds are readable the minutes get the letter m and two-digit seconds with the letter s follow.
4h42
